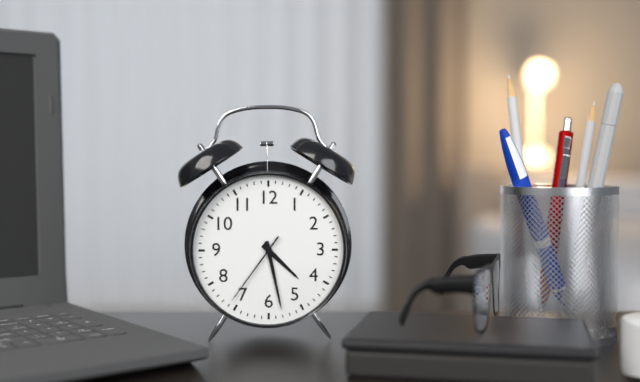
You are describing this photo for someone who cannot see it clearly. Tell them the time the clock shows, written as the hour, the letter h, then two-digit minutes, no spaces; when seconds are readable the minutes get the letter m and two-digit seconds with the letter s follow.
4h28m36s
